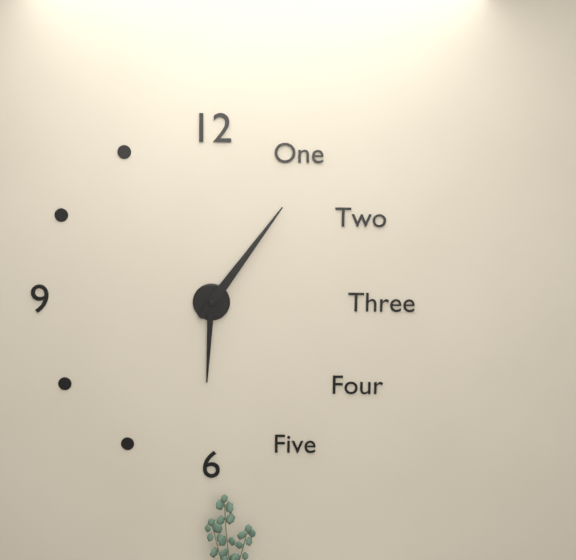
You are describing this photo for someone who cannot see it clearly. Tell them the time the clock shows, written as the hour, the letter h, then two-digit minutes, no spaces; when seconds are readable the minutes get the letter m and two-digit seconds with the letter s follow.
6h06
